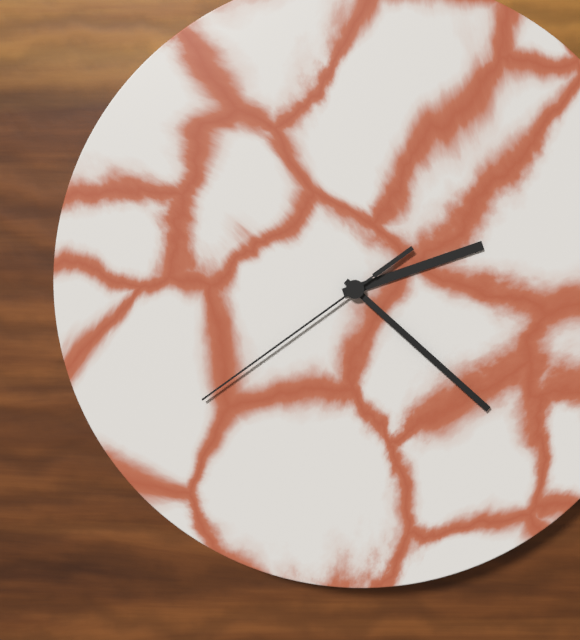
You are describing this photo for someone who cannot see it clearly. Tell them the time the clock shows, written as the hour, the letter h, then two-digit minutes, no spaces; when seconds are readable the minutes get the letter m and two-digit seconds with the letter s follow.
2h22m39s
